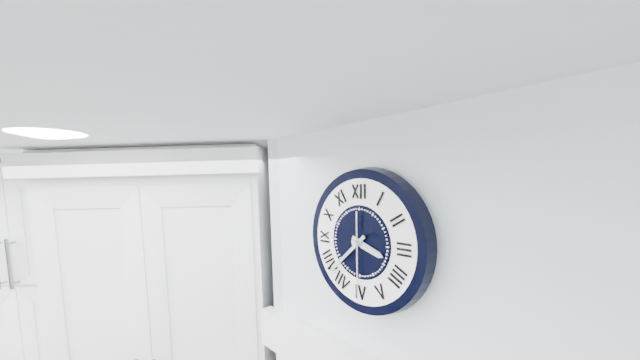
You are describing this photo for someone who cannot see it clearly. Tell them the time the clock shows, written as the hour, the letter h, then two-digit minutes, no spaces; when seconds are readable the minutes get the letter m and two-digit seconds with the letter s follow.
3h38m30s
